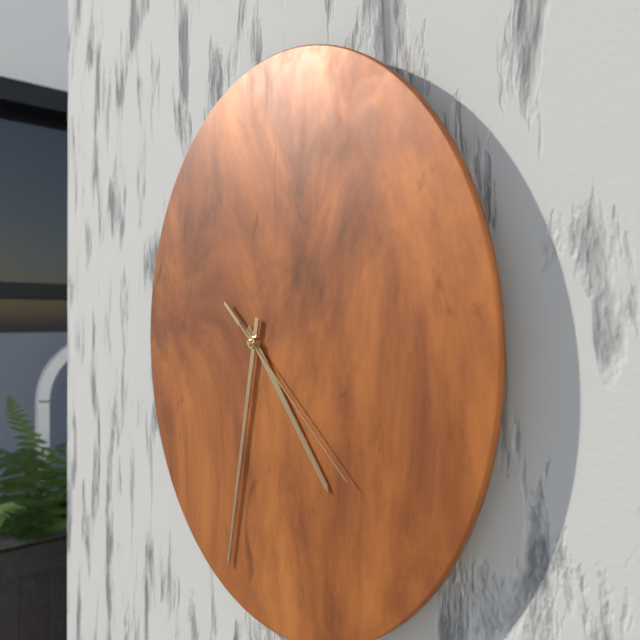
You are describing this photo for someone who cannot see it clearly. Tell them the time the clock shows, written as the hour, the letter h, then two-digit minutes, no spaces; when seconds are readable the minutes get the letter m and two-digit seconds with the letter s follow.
4h32m21s
